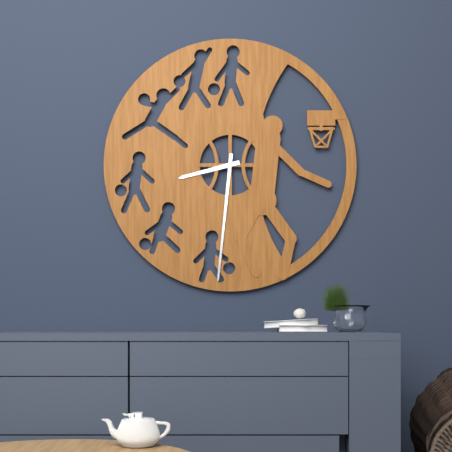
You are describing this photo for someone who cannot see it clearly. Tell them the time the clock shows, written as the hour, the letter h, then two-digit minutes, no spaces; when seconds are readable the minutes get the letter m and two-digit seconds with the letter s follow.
8h31
